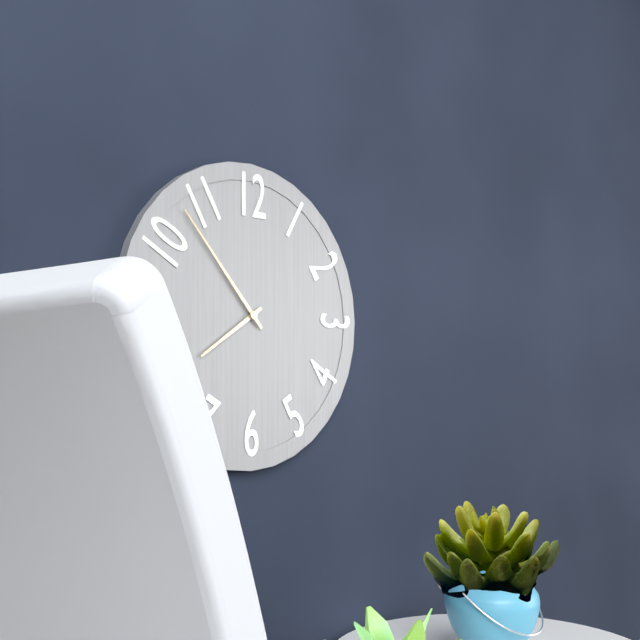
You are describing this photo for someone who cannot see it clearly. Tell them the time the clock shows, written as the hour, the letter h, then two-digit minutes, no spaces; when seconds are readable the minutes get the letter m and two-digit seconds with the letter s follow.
7h53
